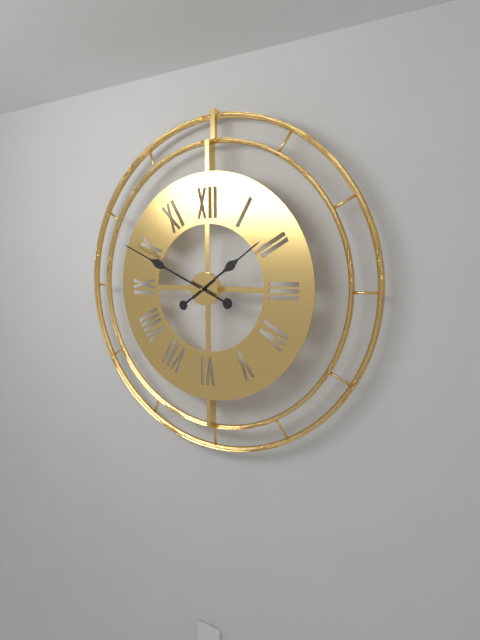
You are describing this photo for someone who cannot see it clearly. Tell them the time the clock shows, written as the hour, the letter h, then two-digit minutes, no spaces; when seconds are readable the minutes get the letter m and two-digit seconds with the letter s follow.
1h49
